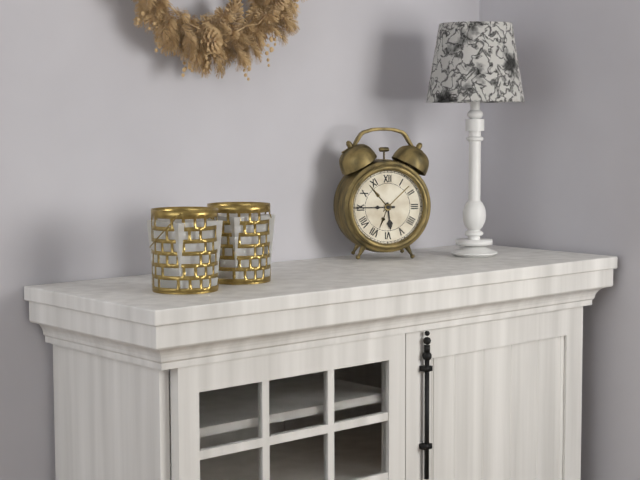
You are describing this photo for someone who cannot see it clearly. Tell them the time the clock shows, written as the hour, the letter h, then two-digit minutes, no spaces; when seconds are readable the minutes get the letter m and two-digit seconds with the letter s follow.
5h45
